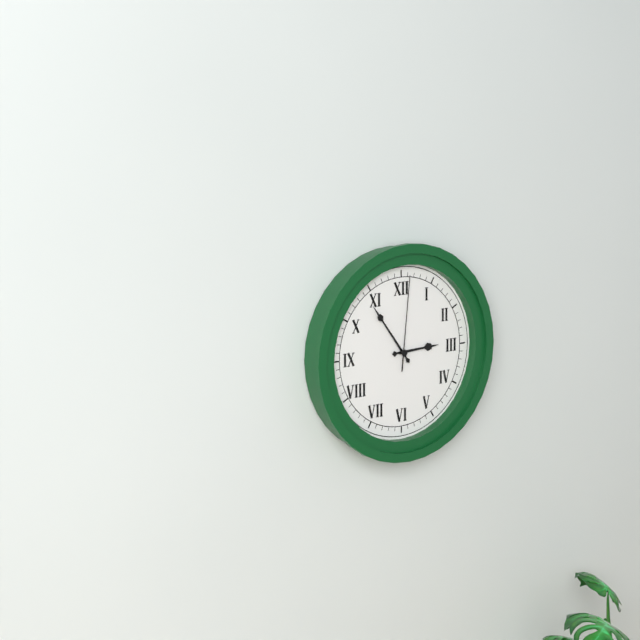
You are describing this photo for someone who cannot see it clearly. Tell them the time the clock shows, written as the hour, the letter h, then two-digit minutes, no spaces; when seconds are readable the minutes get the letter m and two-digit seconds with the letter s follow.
2h54m01s
